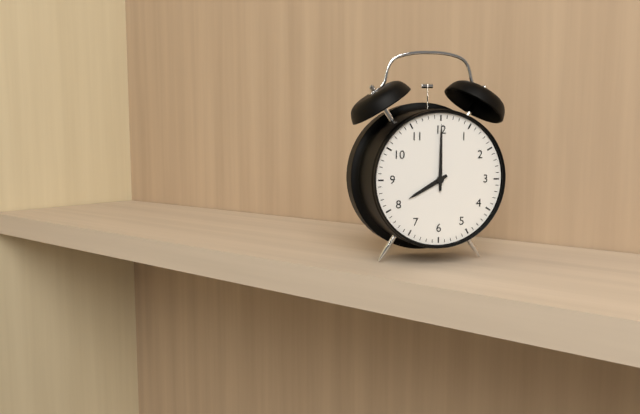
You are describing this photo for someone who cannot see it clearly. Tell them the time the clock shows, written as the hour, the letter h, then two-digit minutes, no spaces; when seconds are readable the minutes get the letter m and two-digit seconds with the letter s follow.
8h00
